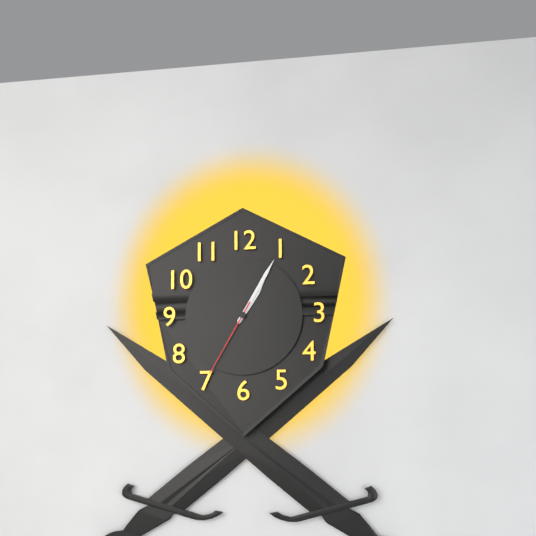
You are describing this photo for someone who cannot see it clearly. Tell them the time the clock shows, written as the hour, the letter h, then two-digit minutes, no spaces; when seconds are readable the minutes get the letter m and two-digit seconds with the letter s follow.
1h05m35s
